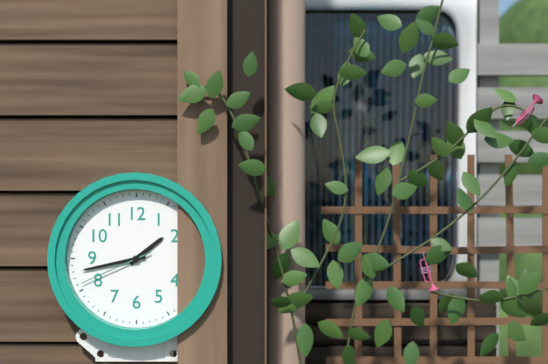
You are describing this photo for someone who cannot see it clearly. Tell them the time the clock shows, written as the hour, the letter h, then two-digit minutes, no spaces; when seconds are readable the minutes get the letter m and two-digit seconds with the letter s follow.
1h43m41s
